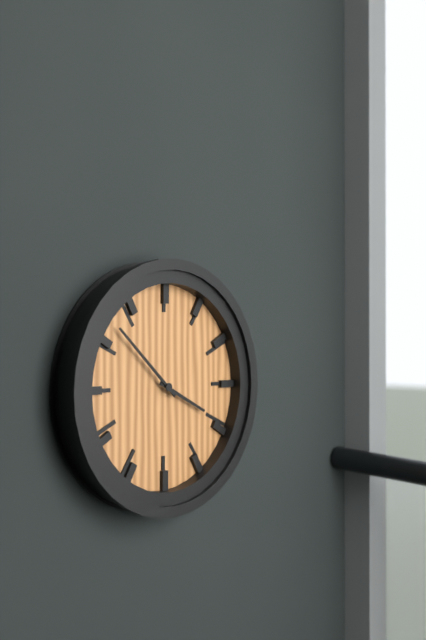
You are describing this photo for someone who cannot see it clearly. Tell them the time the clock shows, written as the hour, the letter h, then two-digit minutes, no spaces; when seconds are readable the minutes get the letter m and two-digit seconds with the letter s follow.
3h52
